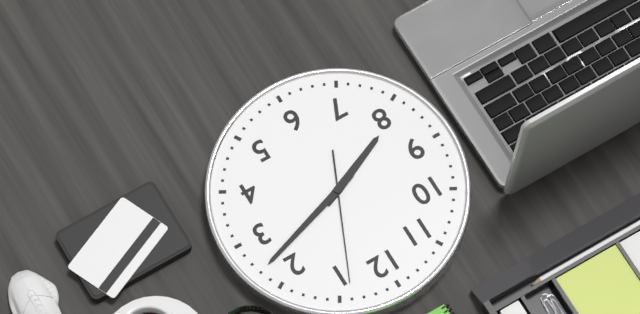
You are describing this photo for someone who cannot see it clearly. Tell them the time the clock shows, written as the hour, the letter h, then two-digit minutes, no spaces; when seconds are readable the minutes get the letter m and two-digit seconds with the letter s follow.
8h12m04s
